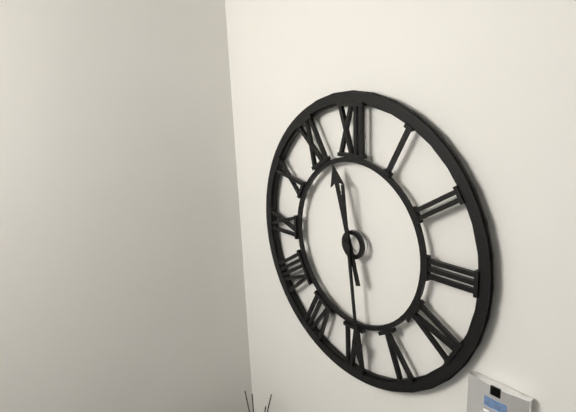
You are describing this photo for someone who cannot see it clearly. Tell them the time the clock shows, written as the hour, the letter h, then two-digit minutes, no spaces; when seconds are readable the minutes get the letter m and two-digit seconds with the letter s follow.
11h29
